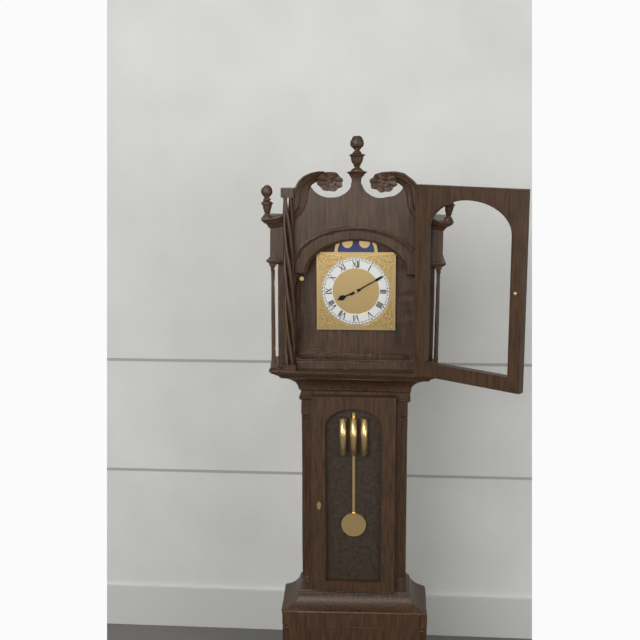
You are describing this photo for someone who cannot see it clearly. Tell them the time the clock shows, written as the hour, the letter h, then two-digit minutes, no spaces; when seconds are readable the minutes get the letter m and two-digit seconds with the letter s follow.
8h10
